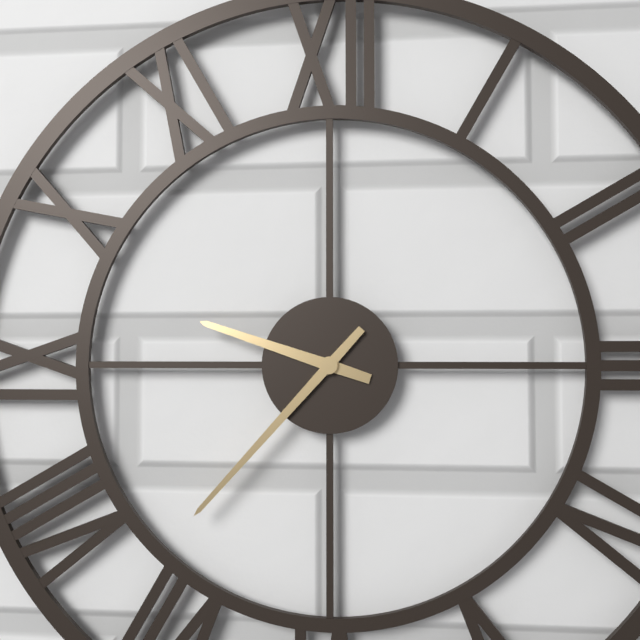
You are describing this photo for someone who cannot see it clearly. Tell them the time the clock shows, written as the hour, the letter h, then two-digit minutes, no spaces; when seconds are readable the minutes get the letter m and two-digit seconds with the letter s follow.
9h37
